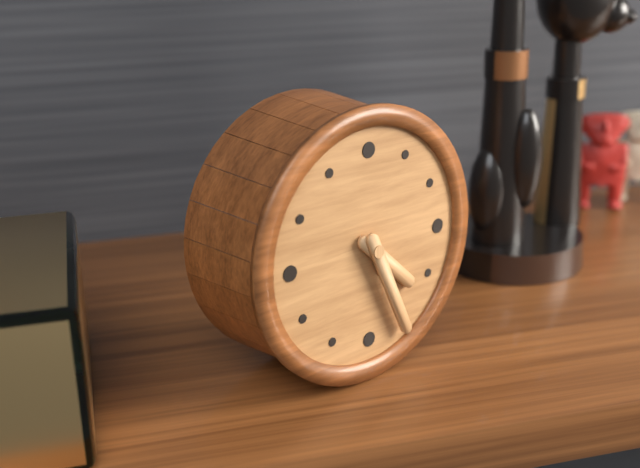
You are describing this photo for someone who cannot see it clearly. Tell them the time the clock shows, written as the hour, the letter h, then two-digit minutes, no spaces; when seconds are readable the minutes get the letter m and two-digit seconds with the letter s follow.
4h26
